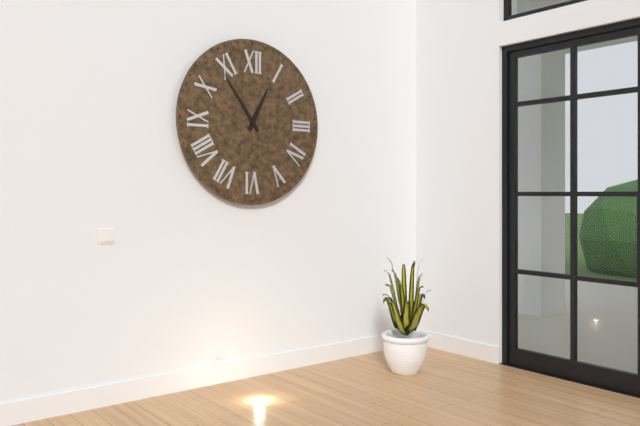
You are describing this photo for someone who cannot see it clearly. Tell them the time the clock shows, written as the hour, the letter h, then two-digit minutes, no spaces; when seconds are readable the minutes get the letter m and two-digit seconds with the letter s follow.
12h54
